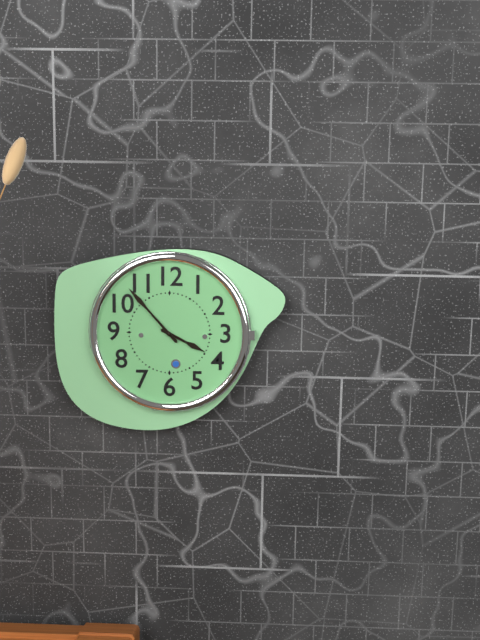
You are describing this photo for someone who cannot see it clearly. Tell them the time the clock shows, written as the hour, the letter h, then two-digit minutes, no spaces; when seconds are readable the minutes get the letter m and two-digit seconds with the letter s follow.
3h53
